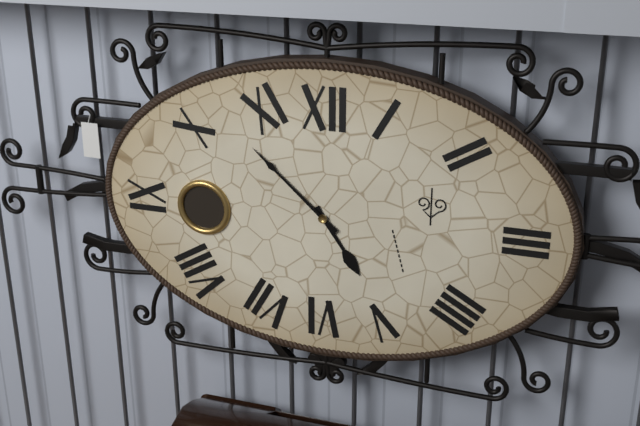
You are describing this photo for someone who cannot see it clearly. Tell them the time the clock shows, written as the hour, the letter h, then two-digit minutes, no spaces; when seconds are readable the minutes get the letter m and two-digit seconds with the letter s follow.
4h52
